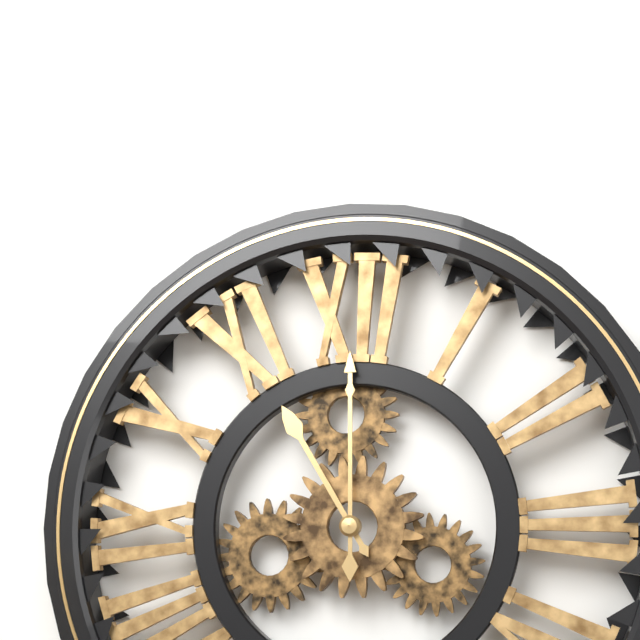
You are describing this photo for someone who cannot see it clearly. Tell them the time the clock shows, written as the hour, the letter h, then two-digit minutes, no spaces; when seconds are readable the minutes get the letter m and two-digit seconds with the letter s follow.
11h00
